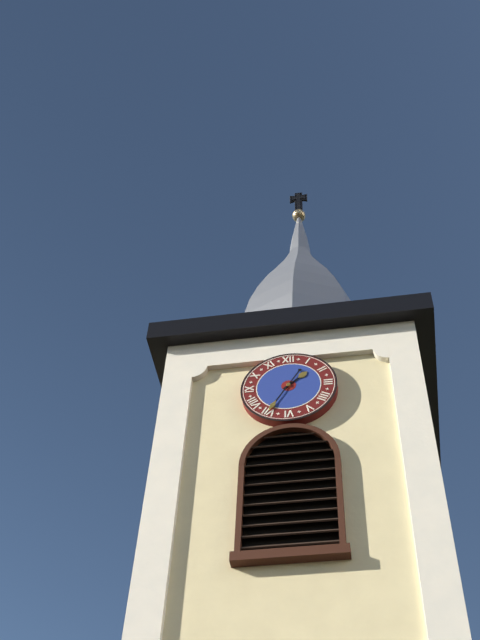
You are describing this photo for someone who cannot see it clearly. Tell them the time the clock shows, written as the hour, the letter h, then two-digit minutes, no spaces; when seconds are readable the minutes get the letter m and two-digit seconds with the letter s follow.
1h35
